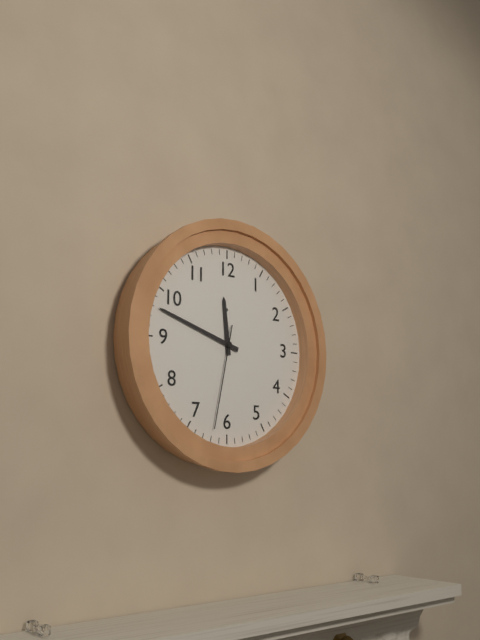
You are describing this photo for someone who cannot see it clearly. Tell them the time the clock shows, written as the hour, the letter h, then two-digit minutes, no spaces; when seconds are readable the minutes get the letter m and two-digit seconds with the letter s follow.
11h48m32s
